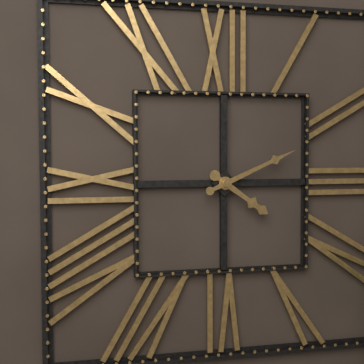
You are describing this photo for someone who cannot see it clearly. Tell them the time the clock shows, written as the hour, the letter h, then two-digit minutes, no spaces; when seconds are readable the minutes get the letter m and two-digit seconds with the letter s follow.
4h11
